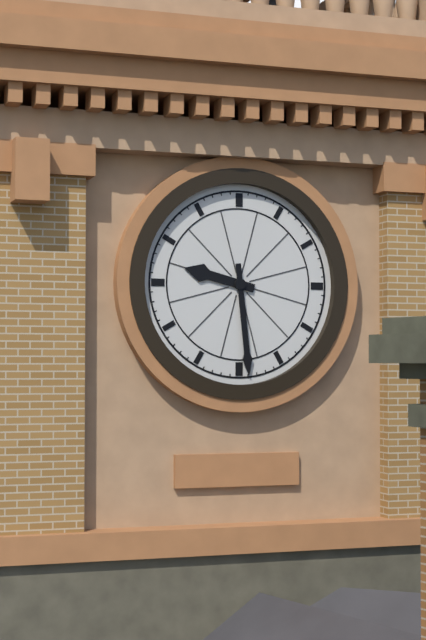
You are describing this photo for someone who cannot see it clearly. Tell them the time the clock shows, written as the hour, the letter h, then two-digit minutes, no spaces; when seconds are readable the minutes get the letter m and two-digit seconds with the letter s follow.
9h29
